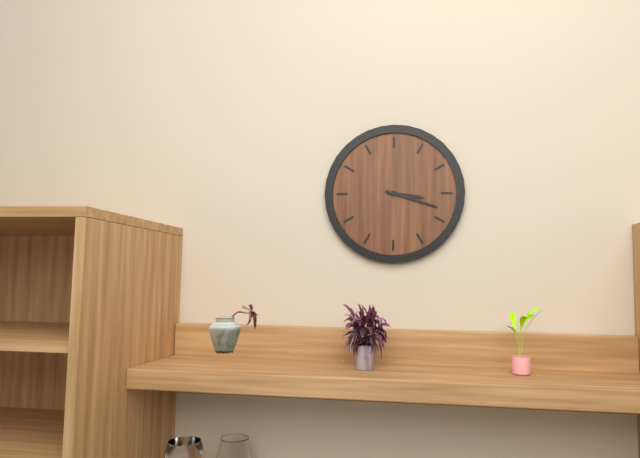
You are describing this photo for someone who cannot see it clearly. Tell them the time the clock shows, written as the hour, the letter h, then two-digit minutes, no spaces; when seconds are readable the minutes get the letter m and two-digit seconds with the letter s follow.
3h18
